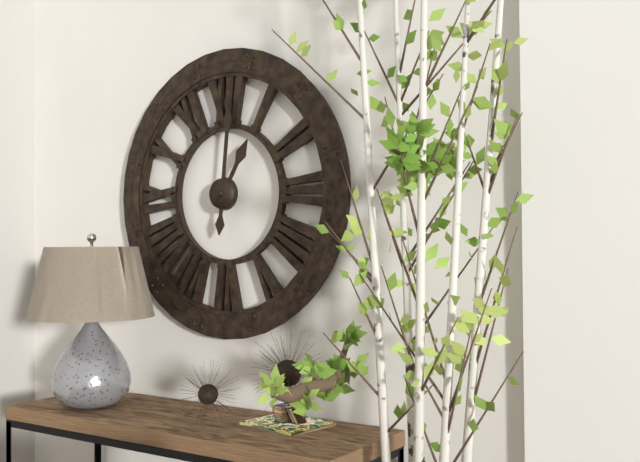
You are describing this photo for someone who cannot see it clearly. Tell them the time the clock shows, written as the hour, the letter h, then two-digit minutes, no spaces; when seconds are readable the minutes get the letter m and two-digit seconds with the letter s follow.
1h01
